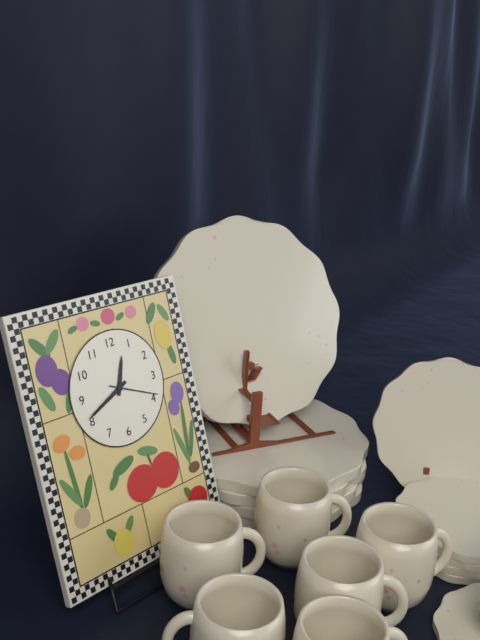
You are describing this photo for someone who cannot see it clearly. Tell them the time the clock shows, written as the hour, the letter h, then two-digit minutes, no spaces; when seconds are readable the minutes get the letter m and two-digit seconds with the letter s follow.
12h41
